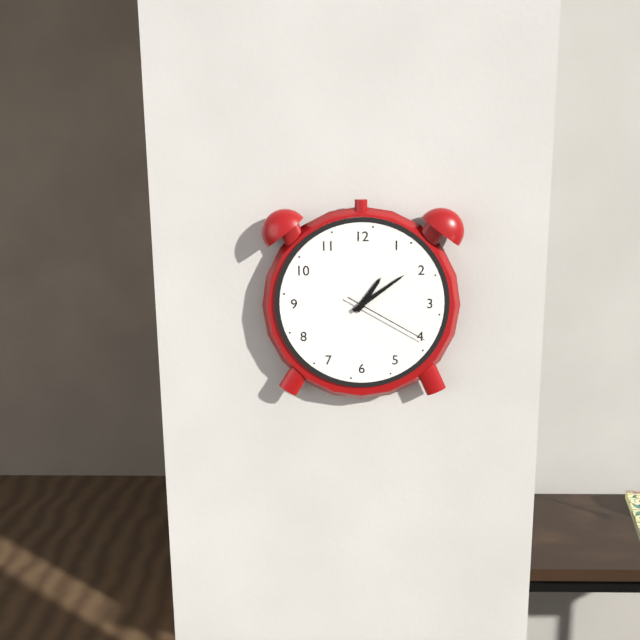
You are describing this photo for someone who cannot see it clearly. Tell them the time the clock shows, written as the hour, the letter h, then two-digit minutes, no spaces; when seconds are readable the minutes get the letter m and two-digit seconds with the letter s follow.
1h09m20s
